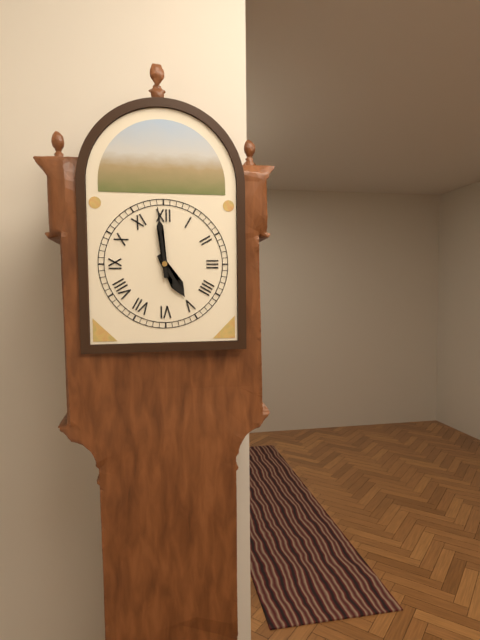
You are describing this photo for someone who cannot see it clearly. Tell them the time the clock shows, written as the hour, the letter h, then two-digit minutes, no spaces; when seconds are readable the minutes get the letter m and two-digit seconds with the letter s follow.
4h59
